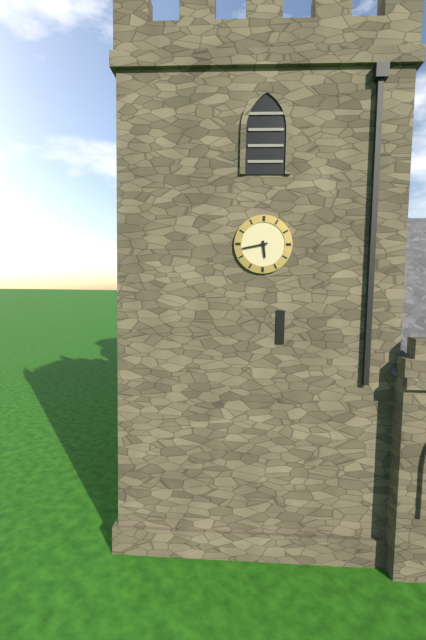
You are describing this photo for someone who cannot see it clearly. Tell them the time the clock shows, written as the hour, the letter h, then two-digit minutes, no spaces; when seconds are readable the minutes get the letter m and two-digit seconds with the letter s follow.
5h43
